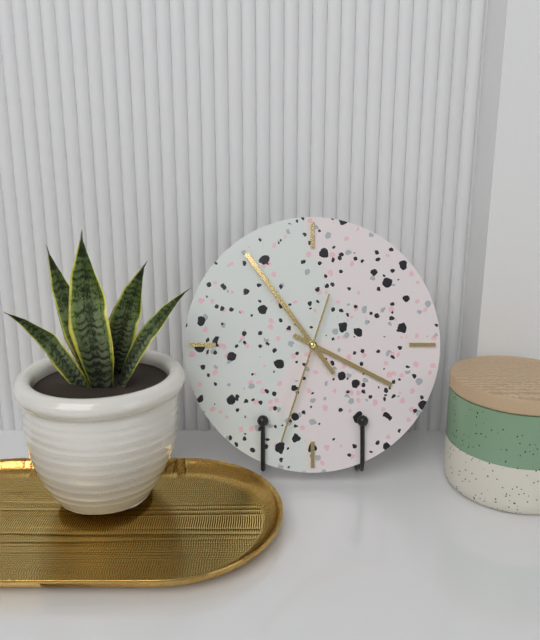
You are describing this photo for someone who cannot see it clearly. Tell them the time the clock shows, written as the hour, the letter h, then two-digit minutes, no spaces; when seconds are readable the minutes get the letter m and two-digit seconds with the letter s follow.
3h54m33s
